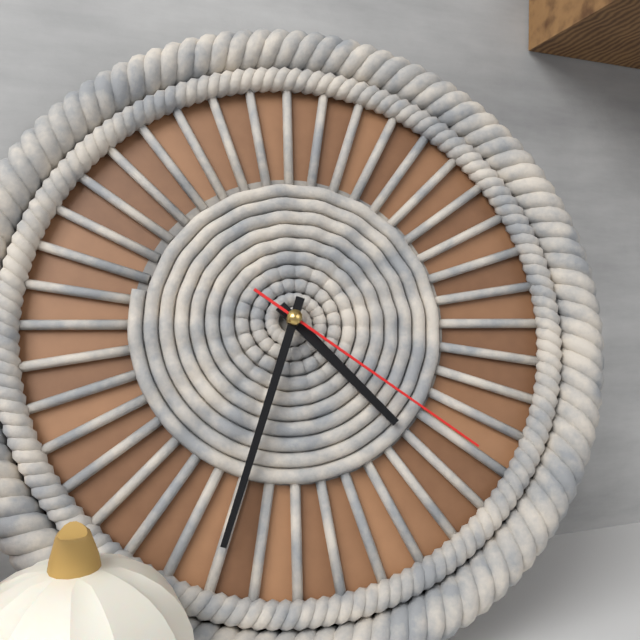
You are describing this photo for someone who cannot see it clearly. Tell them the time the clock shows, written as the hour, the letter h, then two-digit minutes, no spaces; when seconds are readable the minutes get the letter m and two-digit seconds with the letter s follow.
4h33m21s
